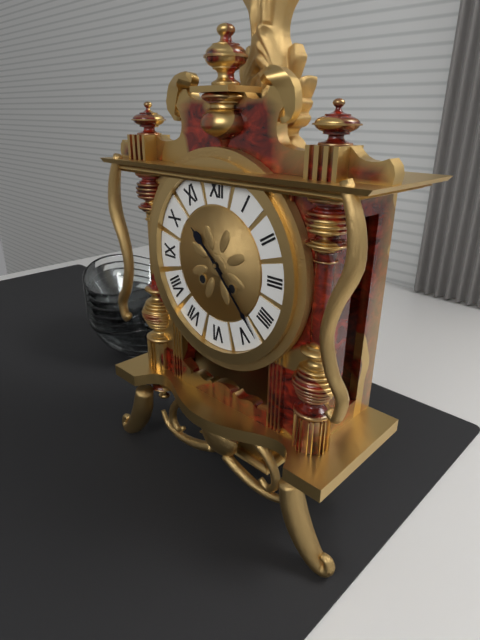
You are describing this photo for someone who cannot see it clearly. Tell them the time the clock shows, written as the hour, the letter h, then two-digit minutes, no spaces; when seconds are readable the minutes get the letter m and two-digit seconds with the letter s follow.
10h23
